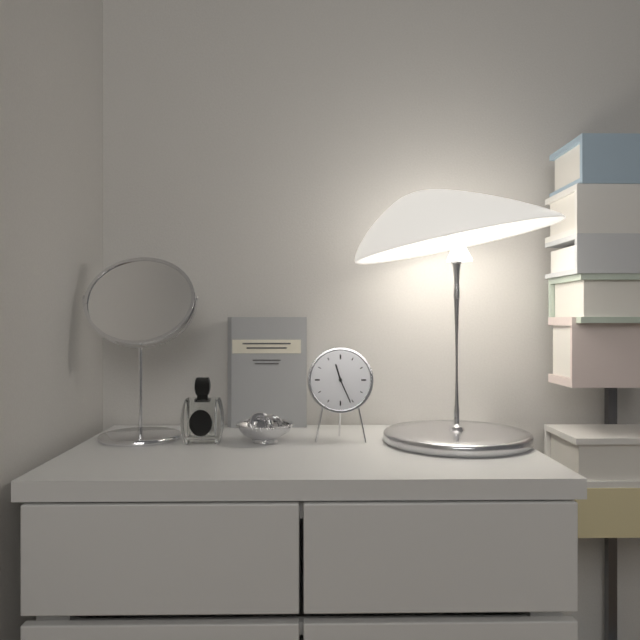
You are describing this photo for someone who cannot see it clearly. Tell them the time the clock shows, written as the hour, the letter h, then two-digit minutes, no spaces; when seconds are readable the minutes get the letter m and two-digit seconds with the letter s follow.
11h26
